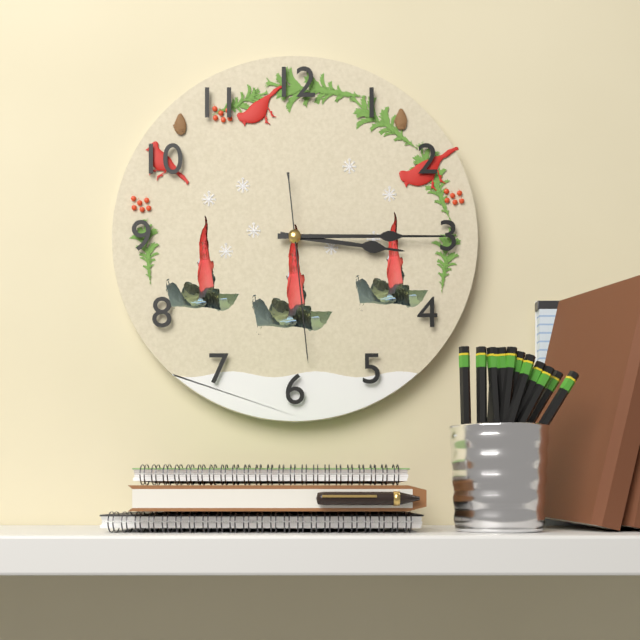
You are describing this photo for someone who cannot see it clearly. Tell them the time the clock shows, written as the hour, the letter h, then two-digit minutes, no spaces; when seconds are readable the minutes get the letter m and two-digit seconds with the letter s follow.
3h15m29s
